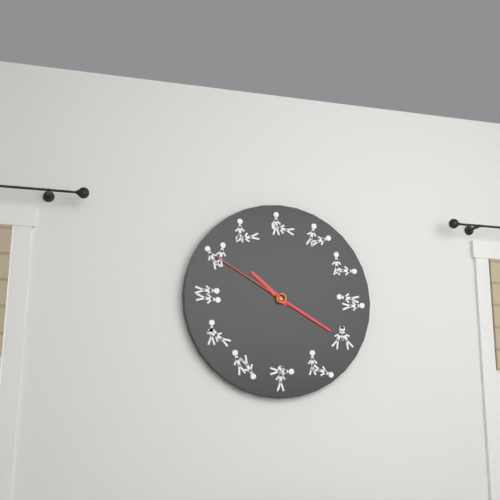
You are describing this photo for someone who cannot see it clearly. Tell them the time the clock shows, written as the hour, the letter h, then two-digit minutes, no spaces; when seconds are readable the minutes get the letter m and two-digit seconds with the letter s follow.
10h20m50s
